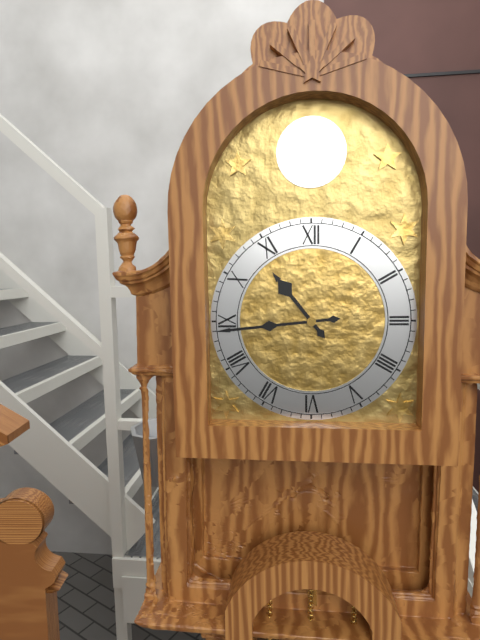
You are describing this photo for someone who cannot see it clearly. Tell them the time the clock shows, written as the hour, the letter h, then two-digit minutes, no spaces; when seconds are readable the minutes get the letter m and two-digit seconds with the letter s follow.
10h44
